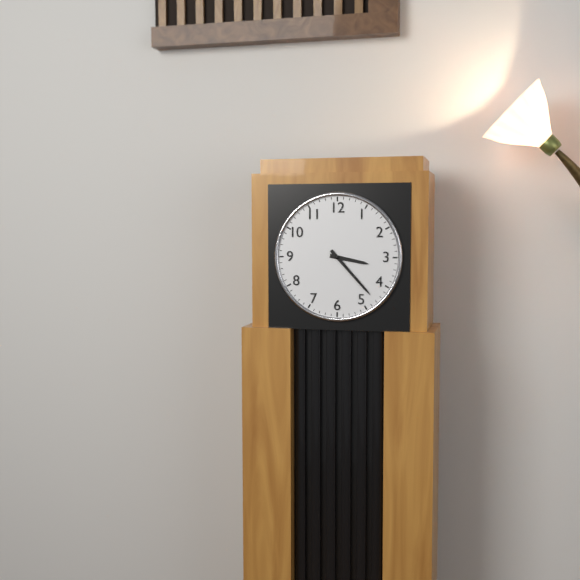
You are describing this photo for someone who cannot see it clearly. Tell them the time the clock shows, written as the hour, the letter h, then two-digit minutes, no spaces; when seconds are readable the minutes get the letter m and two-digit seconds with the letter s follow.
3h23
